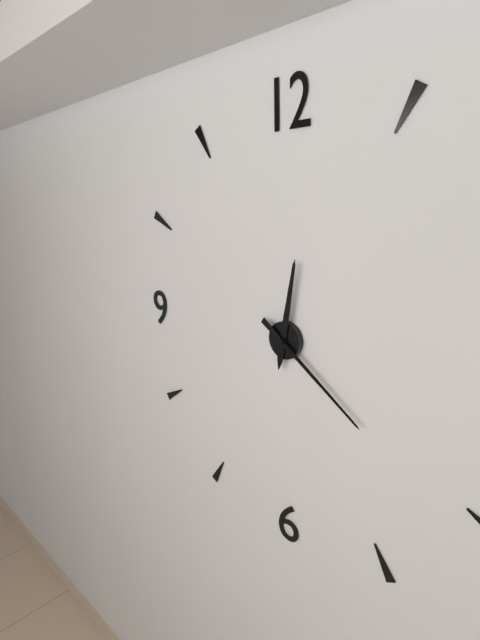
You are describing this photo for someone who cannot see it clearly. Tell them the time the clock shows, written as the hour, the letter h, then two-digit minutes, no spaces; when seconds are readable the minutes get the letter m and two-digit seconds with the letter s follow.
12h21
